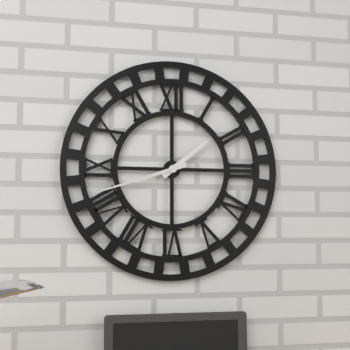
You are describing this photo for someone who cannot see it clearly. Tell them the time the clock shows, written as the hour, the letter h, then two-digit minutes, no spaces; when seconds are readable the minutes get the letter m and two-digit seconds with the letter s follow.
1h42
